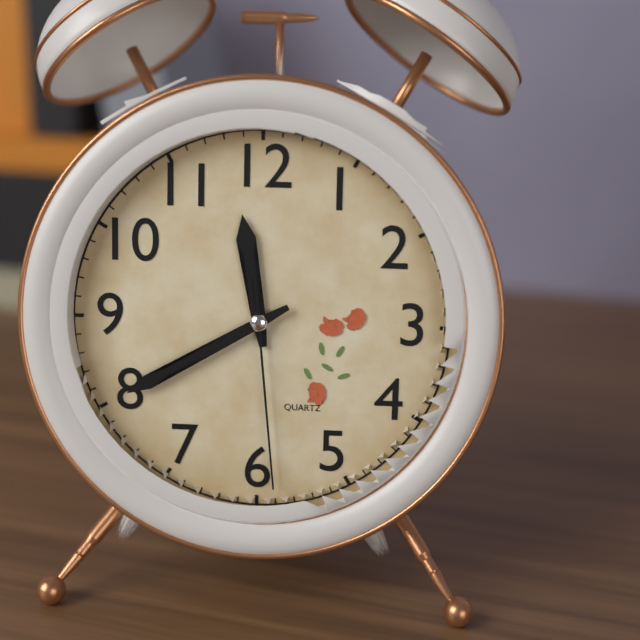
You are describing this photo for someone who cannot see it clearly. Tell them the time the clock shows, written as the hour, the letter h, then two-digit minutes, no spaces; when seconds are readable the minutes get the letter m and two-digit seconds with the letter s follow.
11h40m29s
